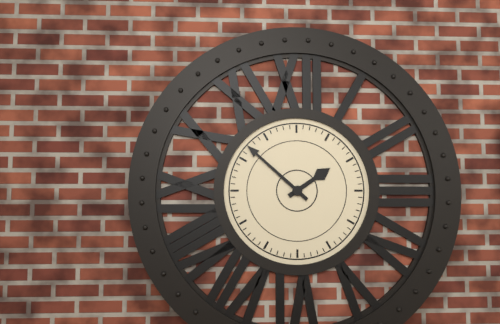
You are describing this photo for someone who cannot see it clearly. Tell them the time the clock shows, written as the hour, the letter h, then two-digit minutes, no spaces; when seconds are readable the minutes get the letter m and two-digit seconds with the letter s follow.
1h52
